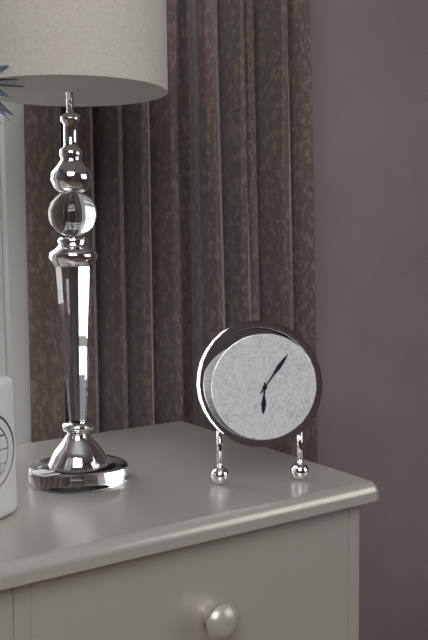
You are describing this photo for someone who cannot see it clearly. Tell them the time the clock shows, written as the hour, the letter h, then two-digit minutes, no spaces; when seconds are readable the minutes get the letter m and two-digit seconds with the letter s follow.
6h06
